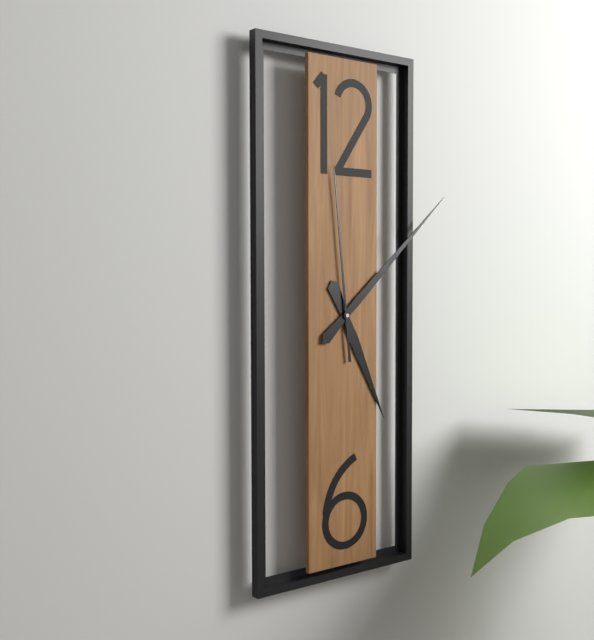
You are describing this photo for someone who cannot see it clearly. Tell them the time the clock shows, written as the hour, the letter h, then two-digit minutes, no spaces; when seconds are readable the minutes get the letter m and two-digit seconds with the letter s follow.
5h08m59s
